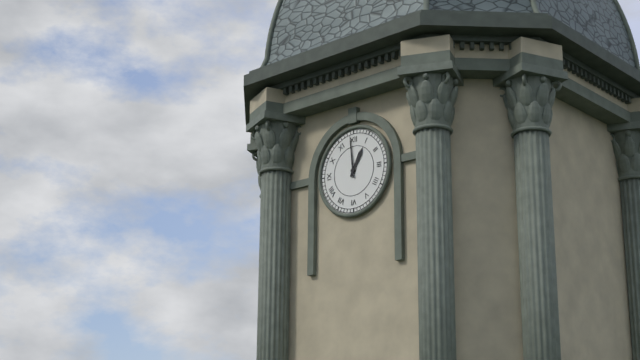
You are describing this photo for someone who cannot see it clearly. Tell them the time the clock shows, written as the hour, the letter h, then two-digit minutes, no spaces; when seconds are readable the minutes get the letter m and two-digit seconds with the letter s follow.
12h59
